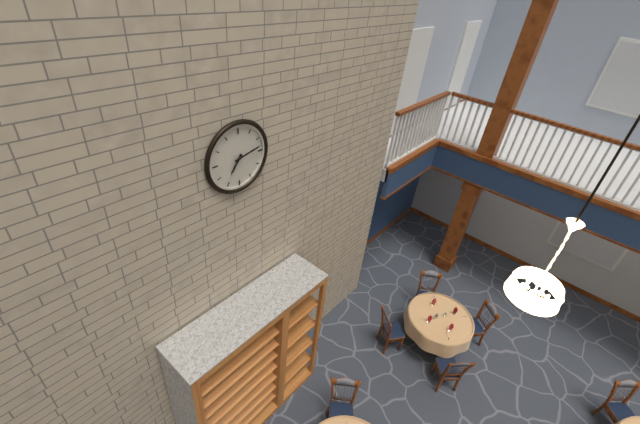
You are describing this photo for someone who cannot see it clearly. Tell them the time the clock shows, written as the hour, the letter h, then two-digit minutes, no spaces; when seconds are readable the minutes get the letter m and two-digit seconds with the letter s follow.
7h13
